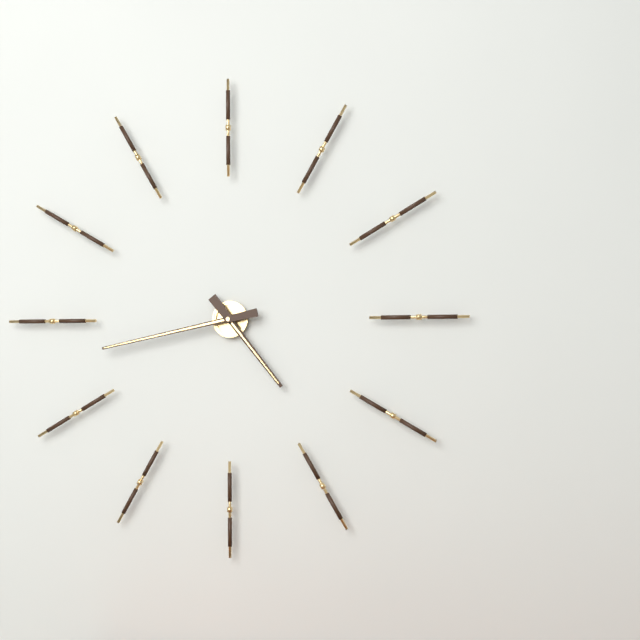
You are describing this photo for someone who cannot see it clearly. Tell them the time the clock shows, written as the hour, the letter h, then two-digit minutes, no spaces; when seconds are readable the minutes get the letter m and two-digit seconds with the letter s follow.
4h43
